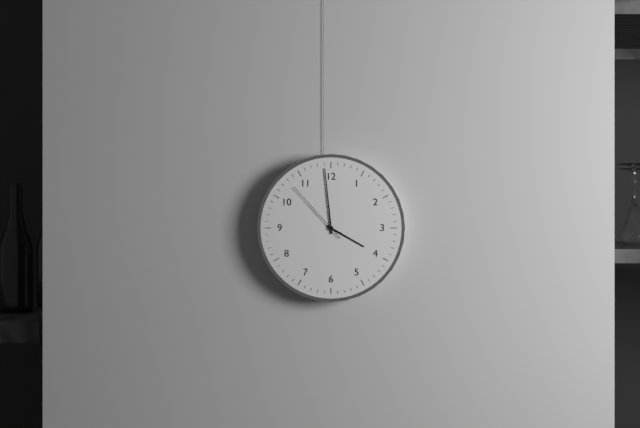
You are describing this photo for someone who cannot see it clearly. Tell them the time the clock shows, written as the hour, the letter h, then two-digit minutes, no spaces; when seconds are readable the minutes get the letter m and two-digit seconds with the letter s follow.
3h59m53s
